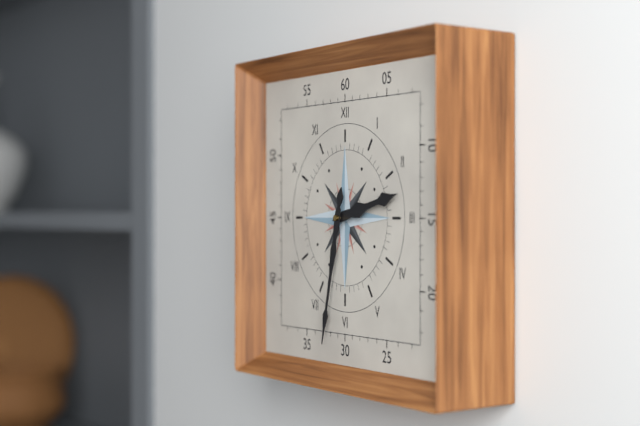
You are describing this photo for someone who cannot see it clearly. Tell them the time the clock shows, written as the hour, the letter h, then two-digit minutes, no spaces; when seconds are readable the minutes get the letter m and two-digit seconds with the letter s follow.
2h32
